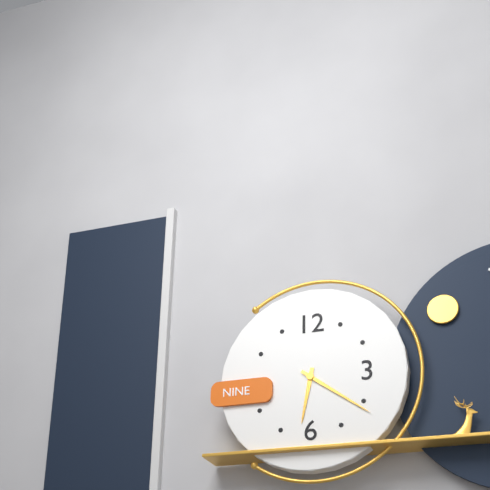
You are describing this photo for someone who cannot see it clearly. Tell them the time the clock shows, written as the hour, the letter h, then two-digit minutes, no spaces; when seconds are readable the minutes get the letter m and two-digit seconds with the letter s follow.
6h21
